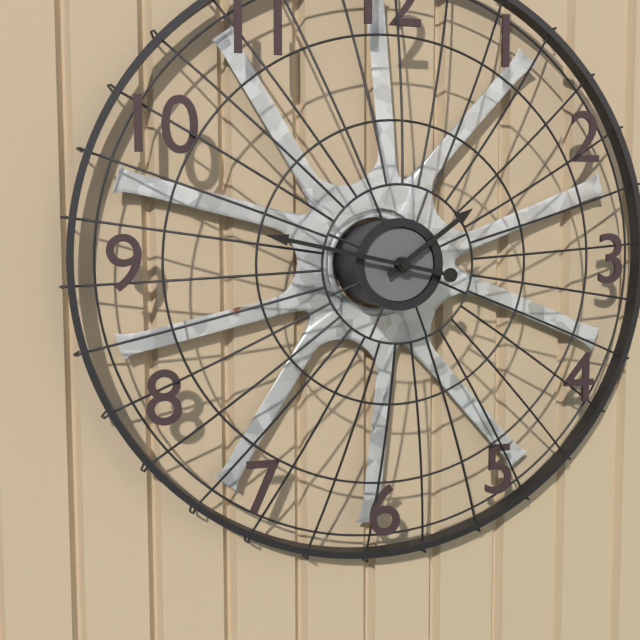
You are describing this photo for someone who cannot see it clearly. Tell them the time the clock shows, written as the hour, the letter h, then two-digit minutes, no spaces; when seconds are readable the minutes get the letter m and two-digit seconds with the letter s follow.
1h47
